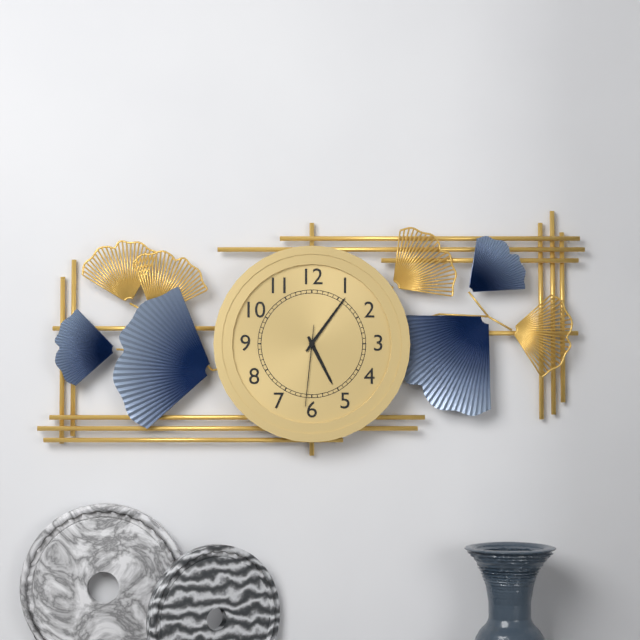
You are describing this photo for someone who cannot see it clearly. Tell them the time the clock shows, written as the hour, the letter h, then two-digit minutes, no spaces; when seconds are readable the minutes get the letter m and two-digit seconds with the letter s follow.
5h06m31s
